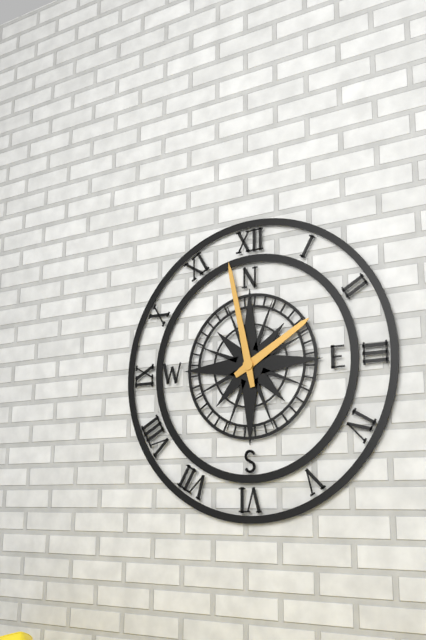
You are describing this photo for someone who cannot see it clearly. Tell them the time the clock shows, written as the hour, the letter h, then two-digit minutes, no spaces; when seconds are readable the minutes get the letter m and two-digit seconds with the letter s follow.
1h58
